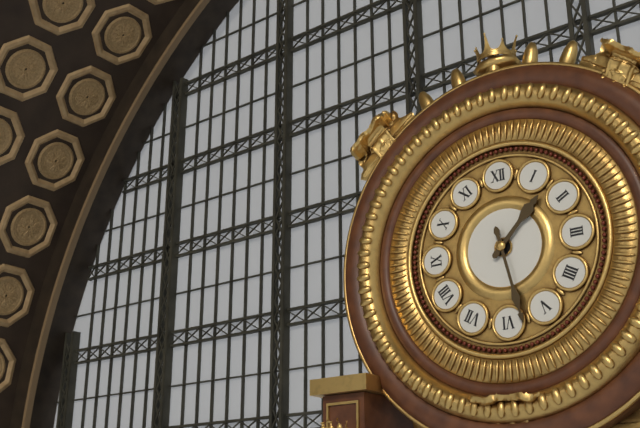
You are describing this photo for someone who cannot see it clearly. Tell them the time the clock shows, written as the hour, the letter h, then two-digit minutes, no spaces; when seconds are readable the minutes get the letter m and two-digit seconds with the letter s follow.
1h28
